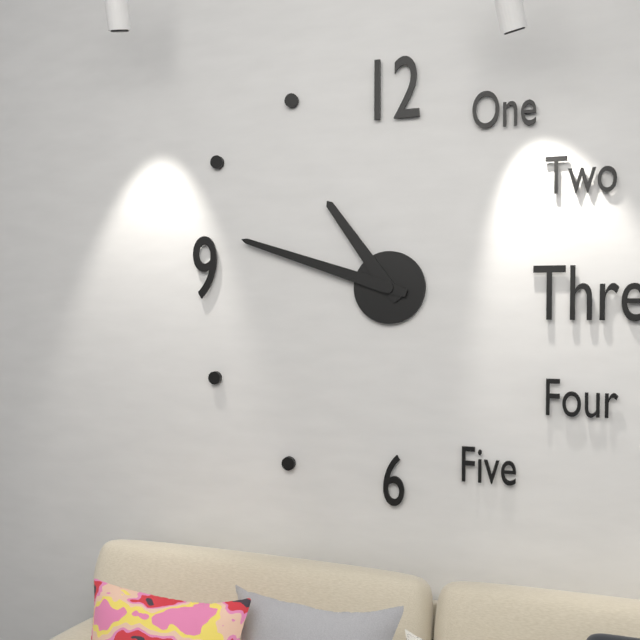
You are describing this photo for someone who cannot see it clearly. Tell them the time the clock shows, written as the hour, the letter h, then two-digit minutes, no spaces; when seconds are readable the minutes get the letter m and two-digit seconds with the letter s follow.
10h48
